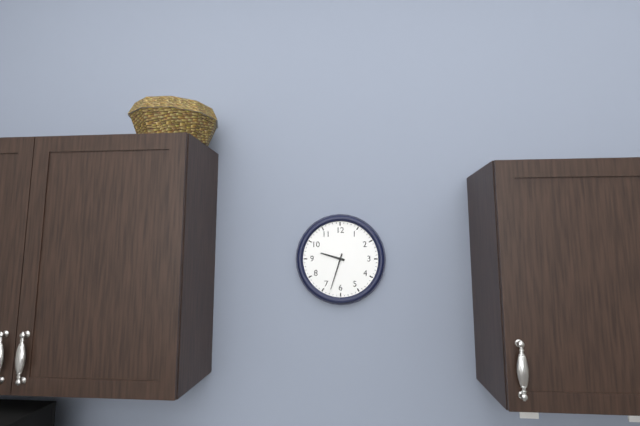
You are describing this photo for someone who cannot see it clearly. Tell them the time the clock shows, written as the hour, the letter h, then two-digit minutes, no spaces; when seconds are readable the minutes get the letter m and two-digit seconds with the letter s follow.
9h33
